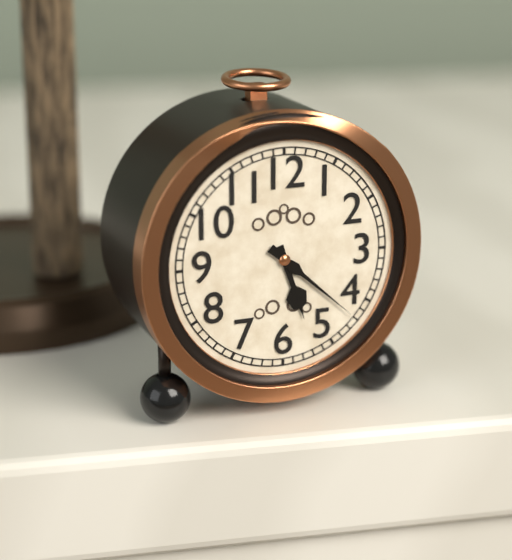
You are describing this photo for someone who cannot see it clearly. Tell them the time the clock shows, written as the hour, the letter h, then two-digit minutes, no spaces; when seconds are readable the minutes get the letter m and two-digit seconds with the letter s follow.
5h22
